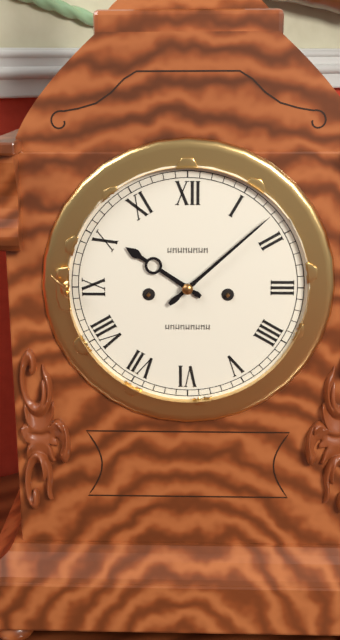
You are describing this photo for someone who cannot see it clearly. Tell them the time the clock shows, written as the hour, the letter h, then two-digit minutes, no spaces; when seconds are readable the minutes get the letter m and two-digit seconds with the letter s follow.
10h08
